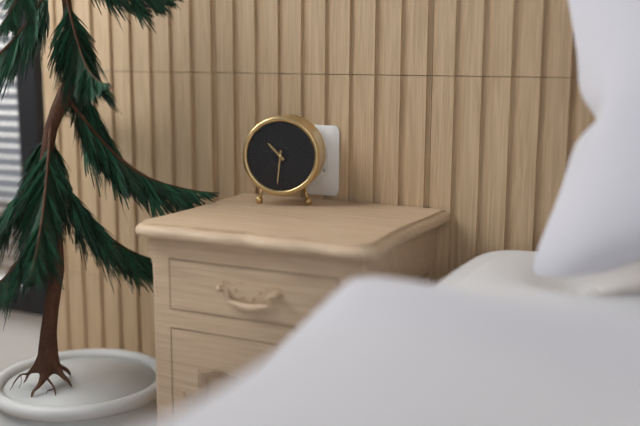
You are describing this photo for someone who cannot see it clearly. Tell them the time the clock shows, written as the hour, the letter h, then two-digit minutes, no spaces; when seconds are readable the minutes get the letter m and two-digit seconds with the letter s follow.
10h31
